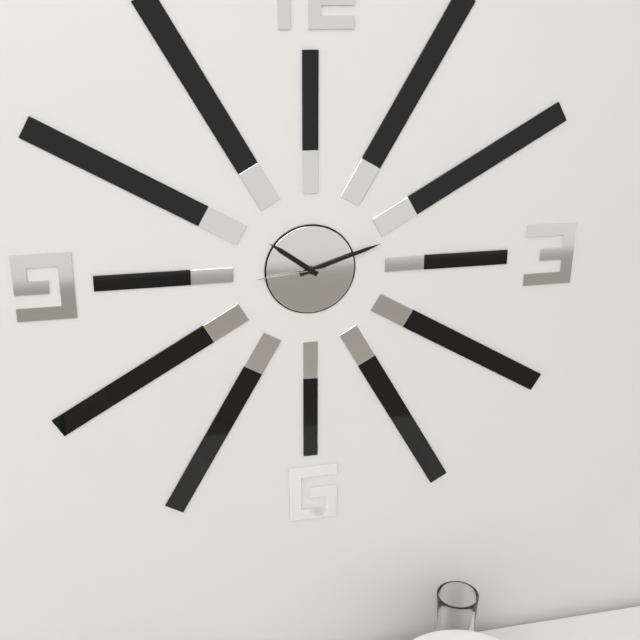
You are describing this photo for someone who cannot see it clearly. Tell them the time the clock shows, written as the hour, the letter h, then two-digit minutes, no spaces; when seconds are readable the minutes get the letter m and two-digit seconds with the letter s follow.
10h12m44s
